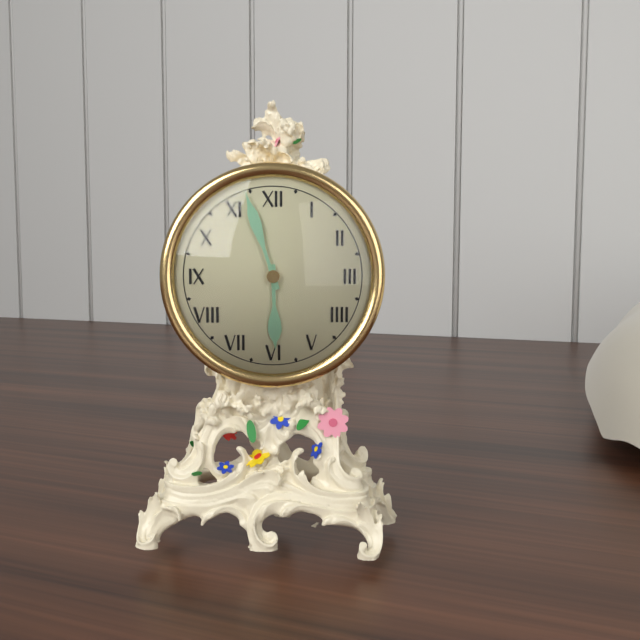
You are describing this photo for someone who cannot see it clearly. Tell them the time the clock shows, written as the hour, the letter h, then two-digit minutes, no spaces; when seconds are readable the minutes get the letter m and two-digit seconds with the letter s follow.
5h57
